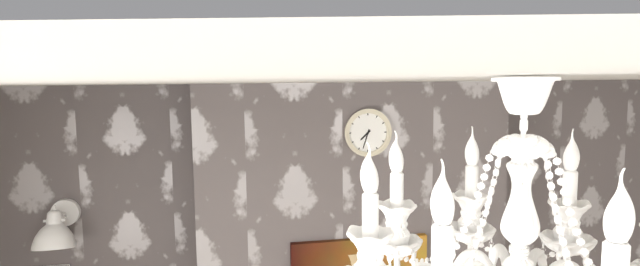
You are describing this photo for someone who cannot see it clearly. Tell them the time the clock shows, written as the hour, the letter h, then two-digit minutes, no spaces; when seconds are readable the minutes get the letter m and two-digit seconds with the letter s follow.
7h33
